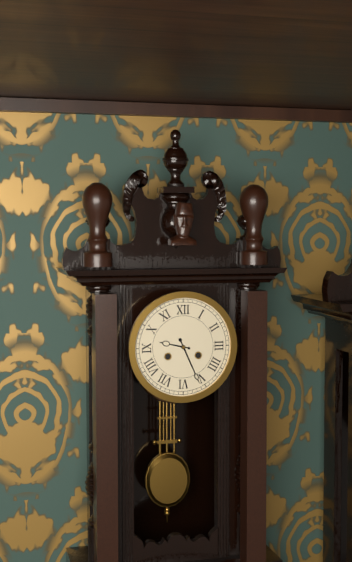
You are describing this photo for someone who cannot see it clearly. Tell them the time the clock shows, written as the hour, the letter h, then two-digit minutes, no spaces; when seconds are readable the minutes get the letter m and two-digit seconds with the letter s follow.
9h26
